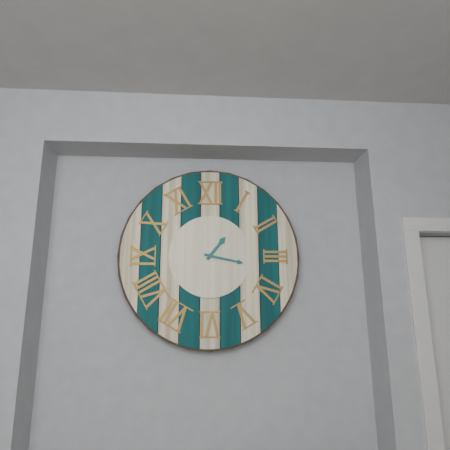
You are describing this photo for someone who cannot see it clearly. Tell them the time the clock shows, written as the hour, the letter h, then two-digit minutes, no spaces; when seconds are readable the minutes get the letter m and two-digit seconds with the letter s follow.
1h17
